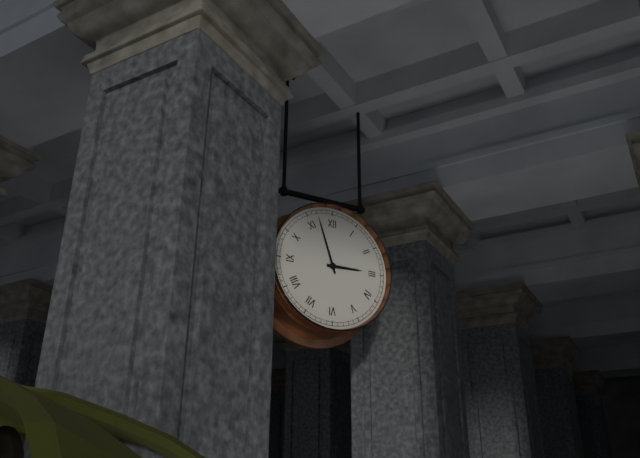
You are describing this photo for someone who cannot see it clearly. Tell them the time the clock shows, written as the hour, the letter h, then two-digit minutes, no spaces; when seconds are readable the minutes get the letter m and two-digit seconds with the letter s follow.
2h57
